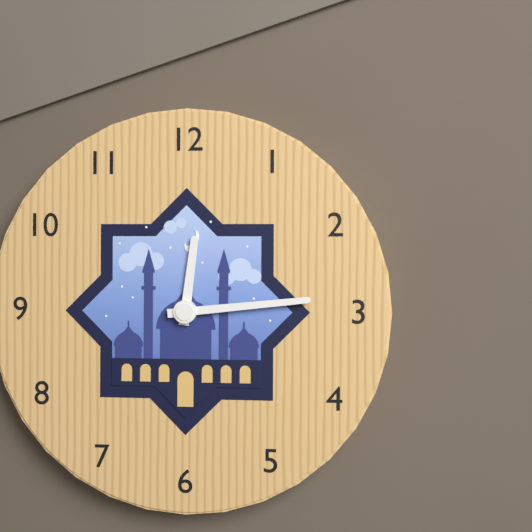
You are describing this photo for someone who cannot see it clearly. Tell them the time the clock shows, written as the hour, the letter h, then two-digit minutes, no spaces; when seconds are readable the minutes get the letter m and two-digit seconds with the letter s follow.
12h14
